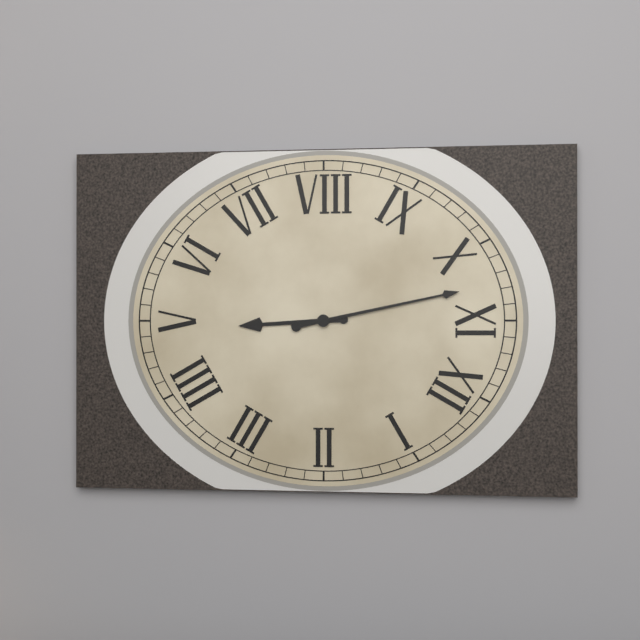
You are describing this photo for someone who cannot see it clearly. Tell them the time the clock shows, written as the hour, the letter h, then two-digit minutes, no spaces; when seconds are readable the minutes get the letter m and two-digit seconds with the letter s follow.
4h53
